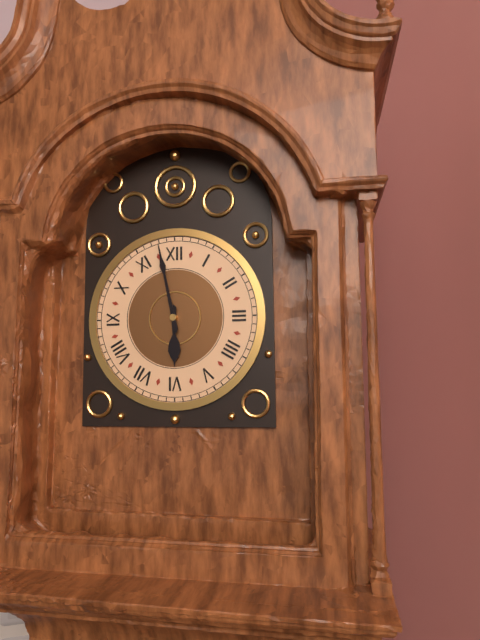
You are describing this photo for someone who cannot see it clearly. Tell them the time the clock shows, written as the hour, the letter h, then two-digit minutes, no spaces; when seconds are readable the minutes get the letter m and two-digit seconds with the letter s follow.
5h58
